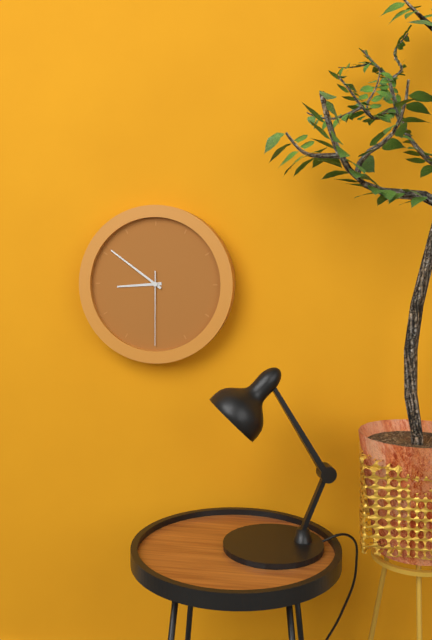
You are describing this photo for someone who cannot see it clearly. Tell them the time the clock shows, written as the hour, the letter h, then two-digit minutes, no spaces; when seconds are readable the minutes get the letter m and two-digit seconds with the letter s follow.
8h51m30s
